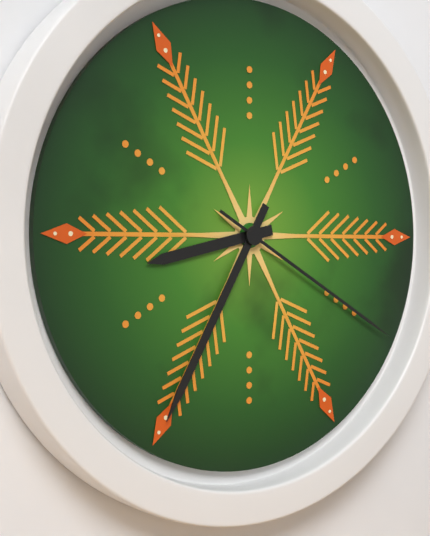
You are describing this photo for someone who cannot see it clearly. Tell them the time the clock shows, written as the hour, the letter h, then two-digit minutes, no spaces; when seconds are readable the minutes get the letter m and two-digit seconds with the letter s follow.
8h35m20s
